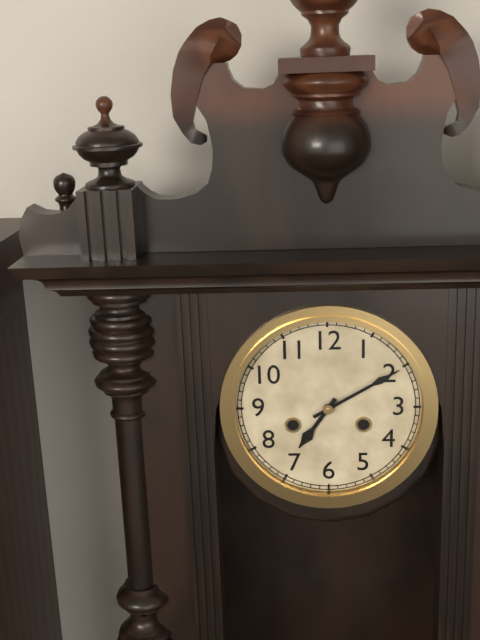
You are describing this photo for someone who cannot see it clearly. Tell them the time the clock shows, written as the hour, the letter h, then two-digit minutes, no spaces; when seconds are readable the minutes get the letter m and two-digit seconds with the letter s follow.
7h10
